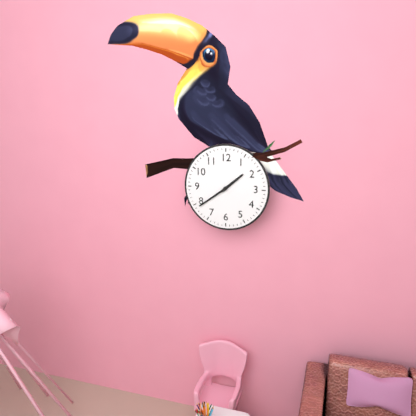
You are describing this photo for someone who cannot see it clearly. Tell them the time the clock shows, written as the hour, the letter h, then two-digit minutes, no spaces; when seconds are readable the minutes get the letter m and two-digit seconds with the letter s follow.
1h39
